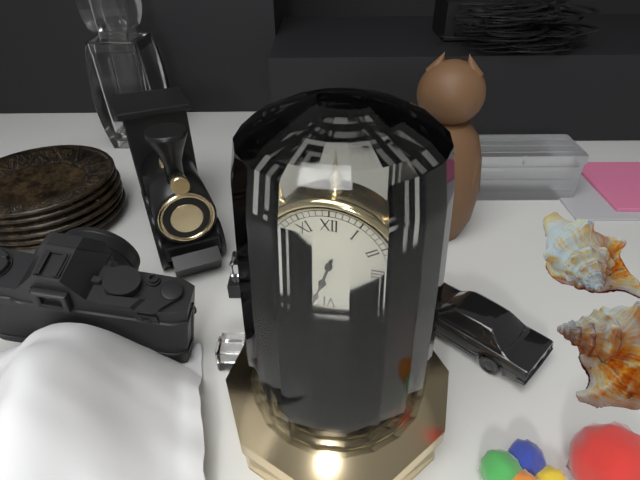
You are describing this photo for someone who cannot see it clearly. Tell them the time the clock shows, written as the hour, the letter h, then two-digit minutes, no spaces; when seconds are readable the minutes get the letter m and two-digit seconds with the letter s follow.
6h33
